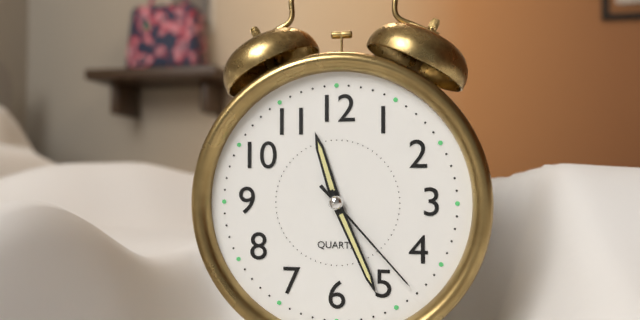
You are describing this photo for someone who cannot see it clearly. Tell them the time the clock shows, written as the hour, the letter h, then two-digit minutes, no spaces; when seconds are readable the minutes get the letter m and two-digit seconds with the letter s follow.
11h26m23s
